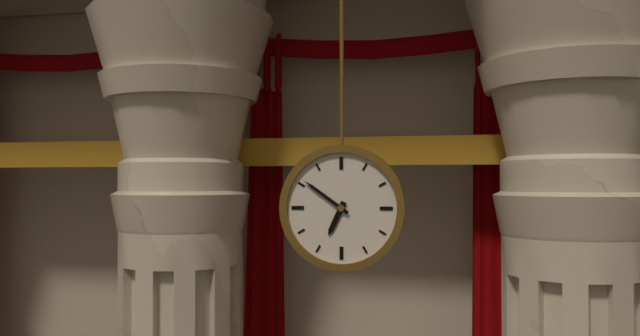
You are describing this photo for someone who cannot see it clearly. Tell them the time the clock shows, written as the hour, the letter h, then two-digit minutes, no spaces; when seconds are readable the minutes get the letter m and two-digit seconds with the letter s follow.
6h51
